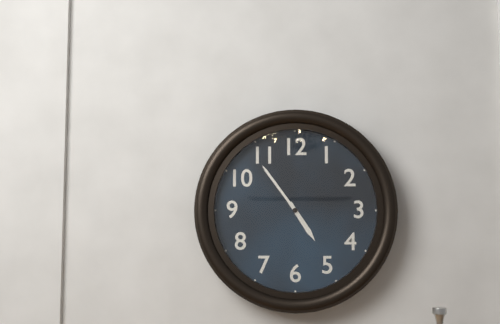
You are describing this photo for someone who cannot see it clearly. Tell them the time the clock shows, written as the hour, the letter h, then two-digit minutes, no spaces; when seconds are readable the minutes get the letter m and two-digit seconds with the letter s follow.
4h54
